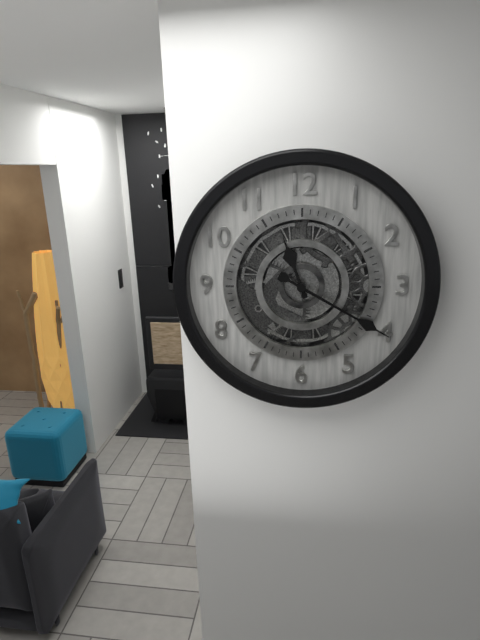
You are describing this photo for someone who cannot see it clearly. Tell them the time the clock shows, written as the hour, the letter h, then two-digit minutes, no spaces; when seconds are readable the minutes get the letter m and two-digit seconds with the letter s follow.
11h20
